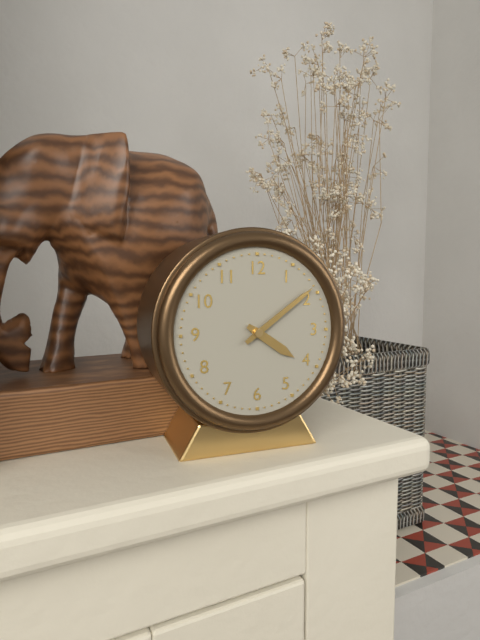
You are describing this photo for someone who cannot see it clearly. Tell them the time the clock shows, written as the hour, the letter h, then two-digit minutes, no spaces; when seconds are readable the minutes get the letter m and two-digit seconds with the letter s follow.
4h09
